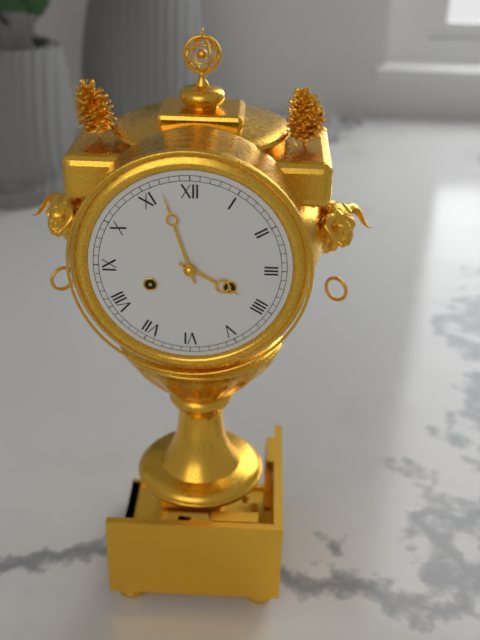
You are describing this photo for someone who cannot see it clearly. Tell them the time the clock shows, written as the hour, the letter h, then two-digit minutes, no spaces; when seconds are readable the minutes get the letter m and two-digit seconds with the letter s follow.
3h57
